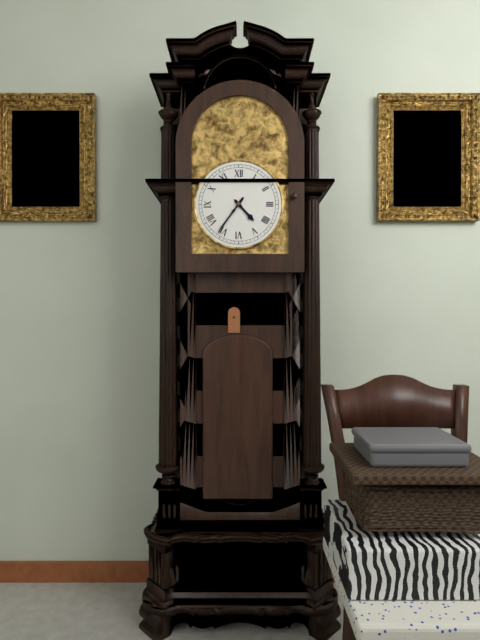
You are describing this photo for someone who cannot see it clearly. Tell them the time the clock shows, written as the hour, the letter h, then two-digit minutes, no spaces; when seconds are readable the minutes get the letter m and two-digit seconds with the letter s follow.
4h36
